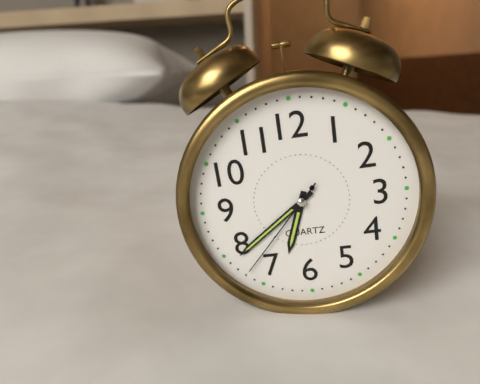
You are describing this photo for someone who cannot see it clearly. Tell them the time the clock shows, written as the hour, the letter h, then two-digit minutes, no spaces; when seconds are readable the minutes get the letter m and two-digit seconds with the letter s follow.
6h39m37s
